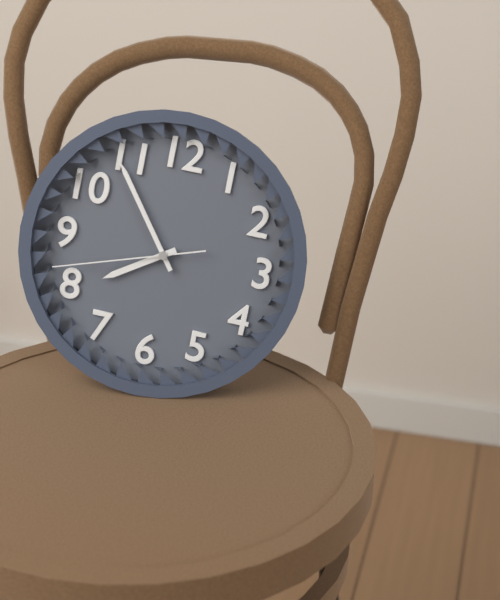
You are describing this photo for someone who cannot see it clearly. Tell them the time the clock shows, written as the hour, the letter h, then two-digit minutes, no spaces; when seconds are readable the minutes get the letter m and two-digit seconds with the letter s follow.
7h54m42s
